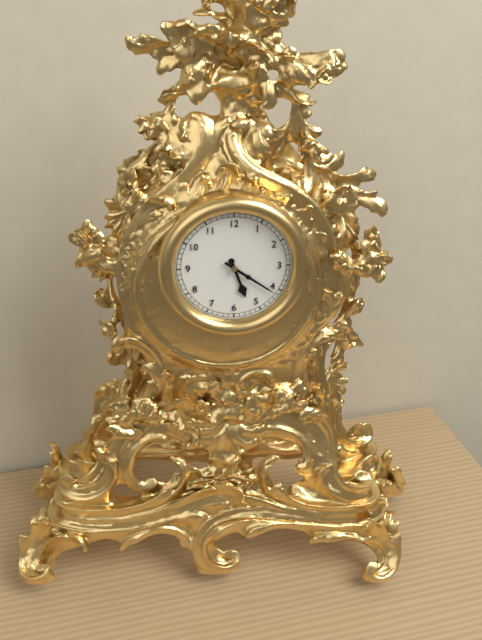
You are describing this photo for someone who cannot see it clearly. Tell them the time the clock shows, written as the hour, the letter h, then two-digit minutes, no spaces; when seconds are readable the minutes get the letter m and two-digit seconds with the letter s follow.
5h21
